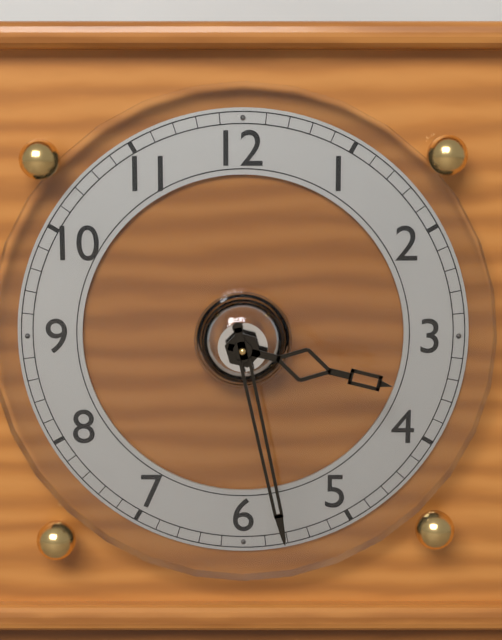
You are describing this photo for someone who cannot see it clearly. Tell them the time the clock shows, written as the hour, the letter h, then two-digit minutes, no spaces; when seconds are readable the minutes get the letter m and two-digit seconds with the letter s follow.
3h28
